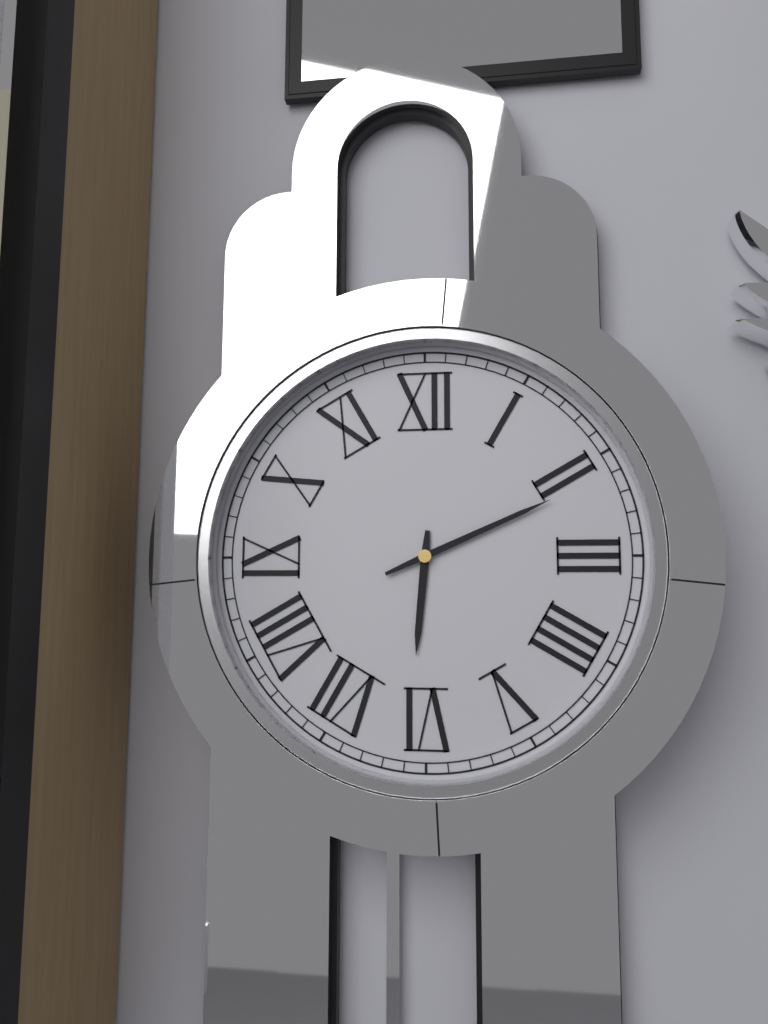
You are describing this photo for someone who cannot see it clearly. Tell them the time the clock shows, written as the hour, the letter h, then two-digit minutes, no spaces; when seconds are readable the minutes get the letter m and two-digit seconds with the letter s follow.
6h11
